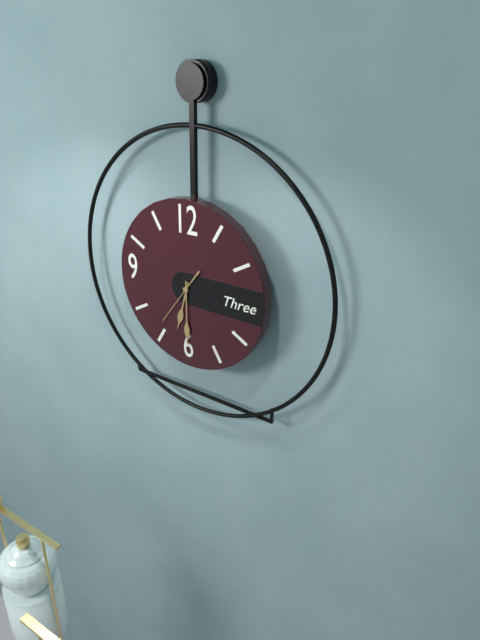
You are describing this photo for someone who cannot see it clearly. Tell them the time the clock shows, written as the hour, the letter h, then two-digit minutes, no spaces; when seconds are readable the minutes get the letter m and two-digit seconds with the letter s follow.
6h30m36s
